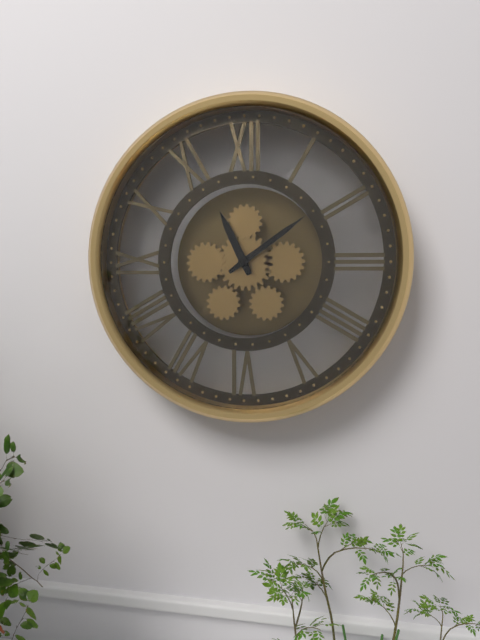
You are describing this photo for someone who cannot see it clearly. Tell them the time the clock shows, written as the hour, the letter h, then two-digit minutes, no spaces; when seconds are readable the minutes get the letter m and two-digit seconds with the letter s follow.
11h09
